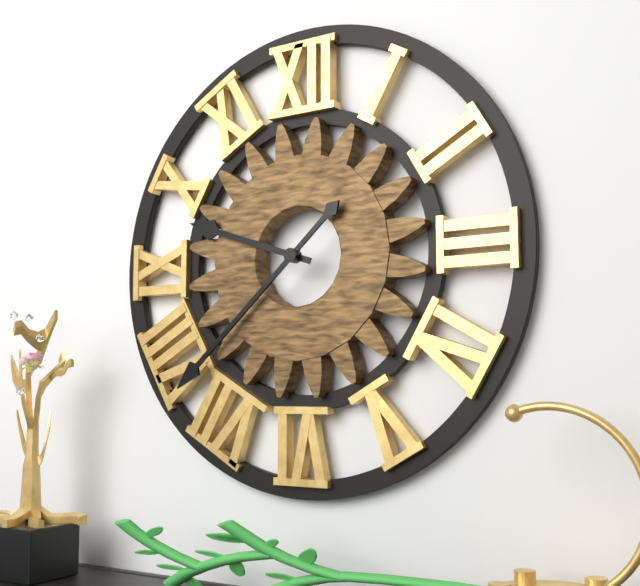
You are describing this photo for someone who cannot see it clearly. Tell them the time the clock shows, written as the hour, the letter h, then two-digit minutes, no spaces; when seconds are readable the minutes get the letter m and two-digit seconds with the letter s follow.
9h38
